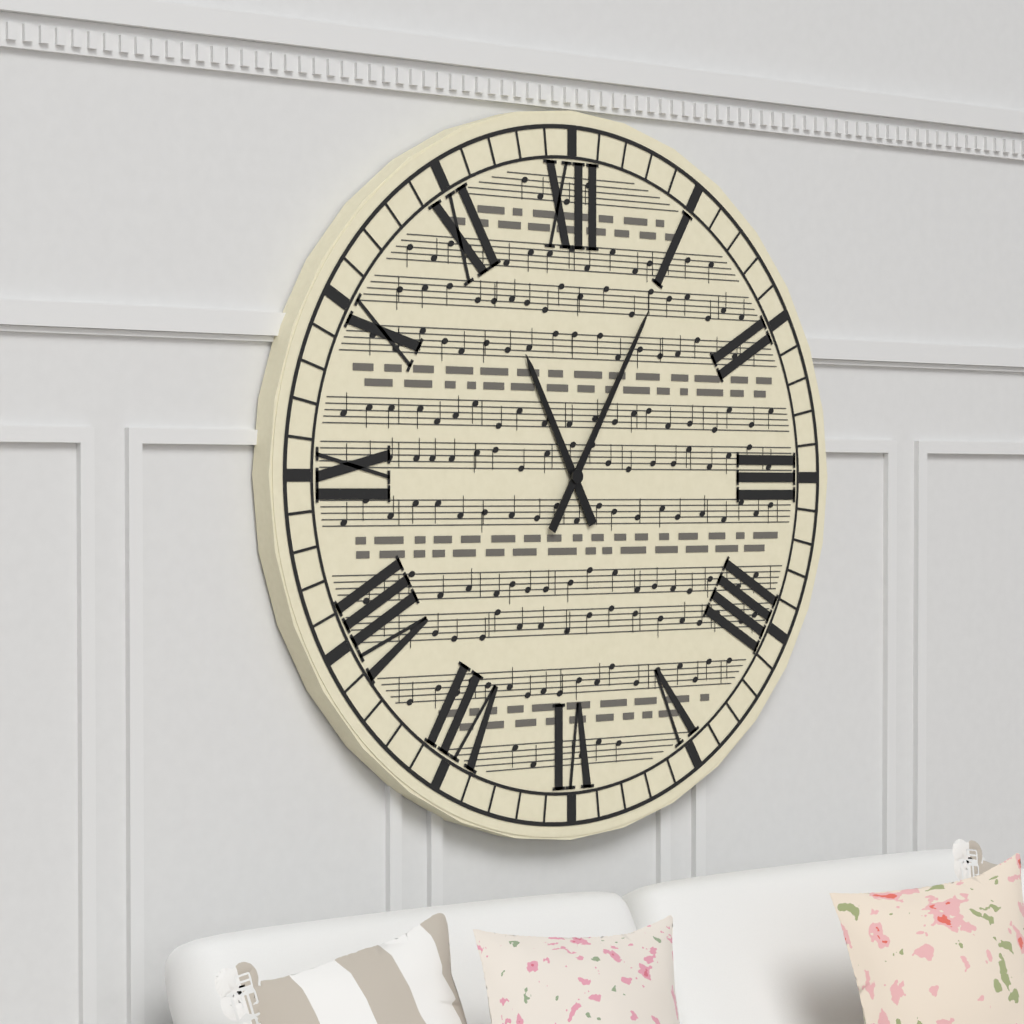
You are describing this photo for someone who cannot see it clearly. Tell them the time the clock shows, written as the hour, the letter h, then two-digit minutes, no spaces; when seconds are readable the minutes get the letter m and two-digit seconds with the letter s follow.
11h05
